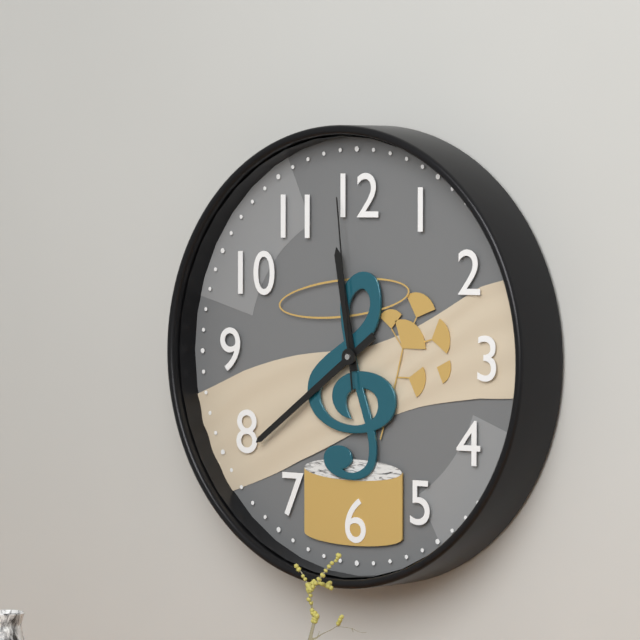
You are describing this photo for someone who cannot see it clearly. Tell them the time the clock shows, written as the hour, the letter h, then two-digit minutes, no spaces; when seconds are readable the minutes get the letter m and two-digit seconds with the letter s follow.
11h39m59s
